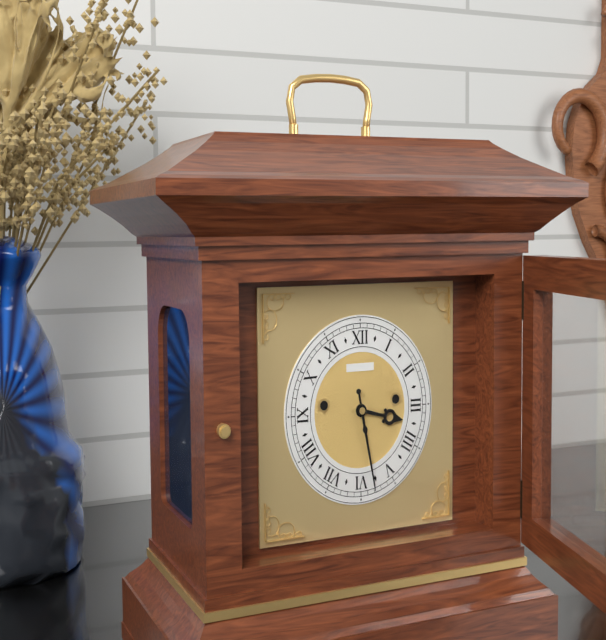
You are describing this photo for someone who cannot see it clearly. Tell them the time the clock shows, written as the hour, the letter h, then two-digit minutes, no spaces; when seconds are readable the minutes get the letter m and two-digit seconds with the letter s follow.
3h28
